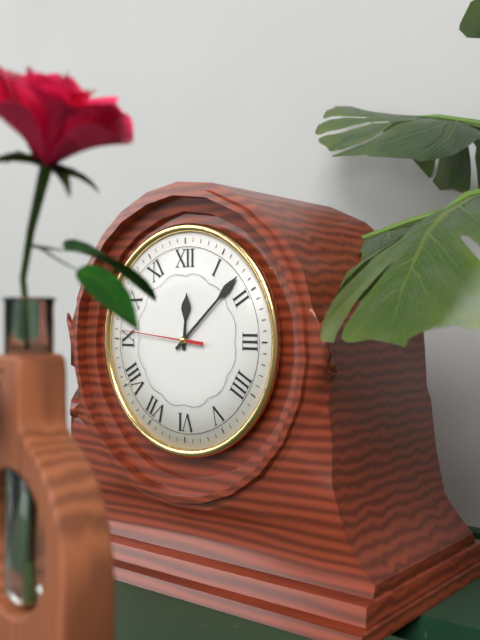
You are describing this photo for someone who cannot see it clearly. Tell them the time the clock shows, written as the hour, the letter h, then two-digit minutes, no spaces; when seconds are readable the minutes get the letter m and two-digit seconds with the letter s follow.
12h08m46s
